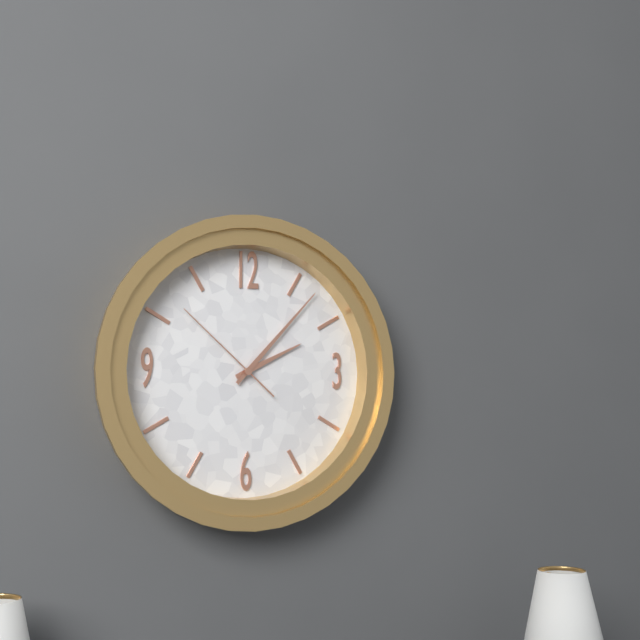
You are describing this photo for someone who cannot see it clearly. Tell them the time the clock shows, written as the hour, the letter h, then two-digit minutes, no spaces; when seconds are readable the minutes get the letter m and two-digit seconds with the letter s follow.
2h07m52s
